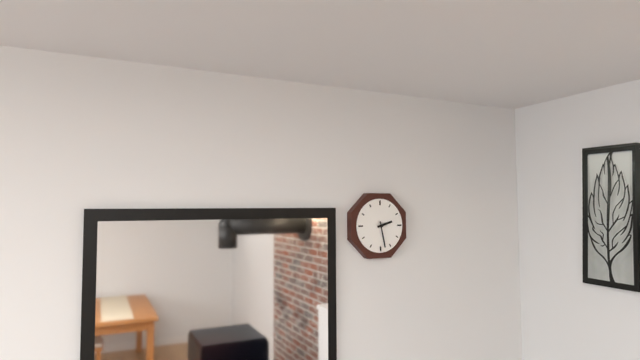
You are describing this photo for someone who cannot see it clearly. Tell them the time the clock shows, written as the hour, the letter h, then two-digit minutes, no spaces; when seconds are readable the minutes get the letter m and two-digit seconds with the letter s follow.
2h28
